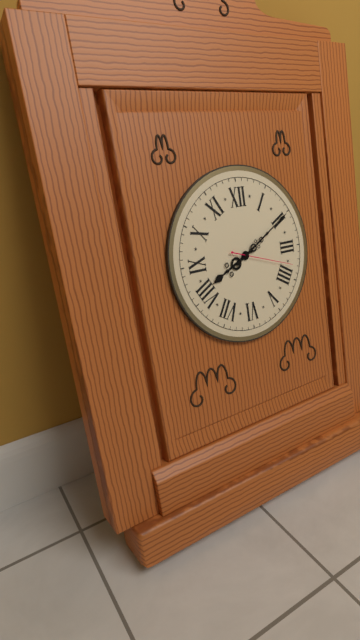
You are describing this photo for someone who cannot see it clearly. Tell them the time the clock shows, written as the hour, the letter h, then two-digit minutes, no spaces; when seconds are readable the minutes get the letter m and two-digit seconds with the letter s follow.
8h10m18s
